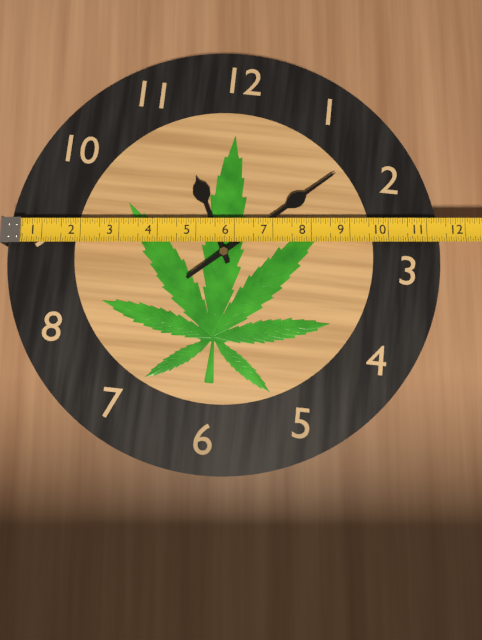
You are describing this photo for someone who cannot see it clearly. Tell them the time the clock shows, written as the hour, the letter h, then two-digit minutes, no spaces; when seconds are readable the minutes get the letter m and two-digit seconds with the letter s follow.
11h08
